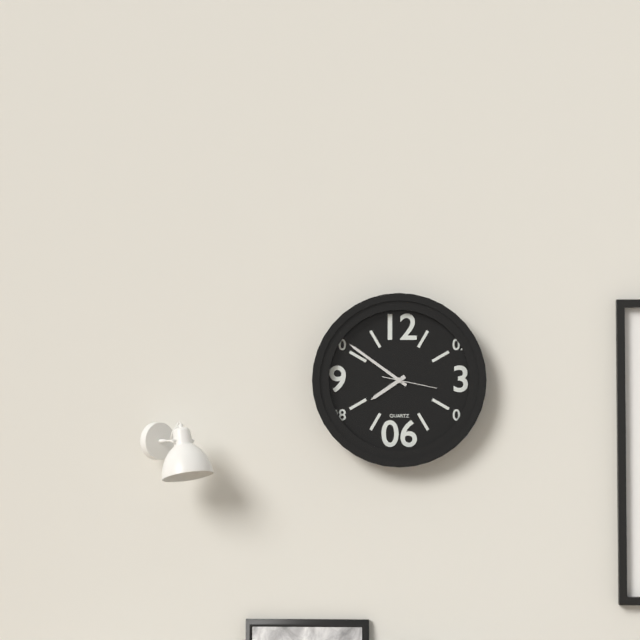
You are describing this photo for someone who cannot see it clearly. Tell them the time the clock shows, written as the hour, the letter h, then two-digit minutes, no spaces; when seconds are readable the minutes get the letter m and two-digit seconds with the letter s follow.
7h51
